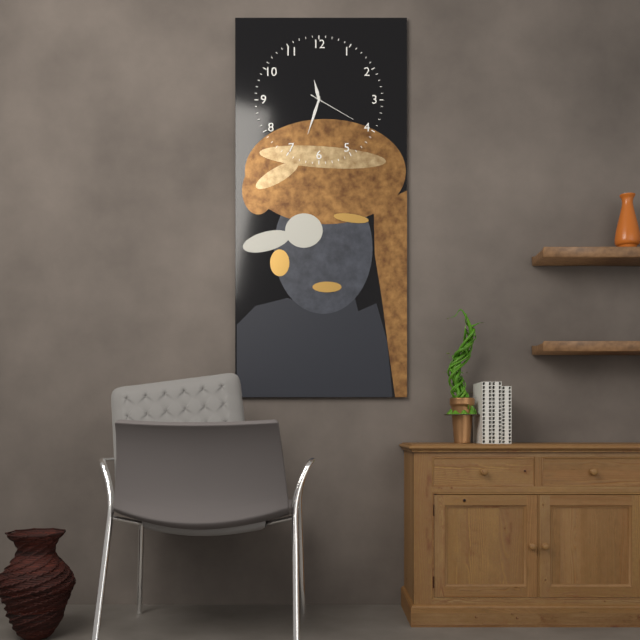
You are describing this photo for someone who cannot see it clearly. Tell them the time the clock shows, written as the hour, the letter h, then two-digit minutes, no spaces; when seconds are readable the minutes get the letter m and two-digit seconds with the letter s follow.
11h33
